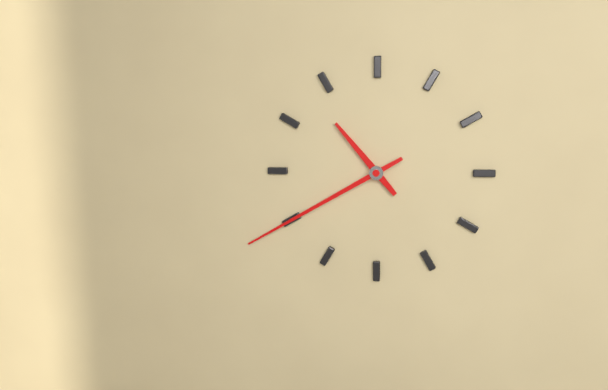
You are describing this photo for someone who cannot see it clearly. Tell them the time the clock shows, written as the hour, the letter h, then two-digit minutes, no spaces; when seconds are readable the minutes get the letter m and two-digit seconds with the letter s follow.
10h40
